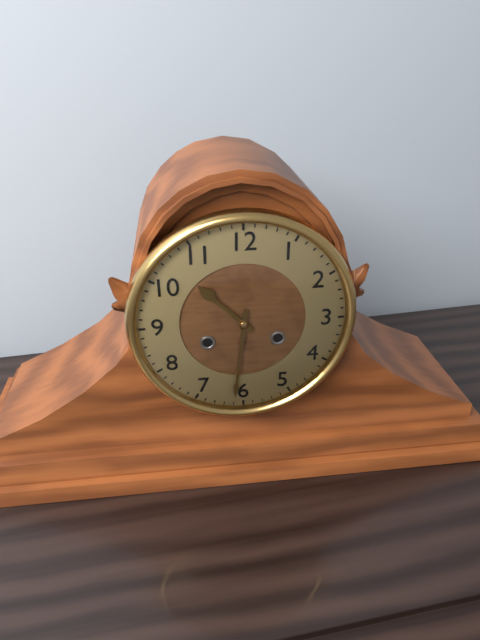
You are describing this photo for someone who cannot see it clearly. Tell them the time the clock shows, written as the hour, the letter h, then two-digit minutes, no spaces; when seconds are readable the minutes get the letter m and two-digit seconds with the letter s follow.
10h31
